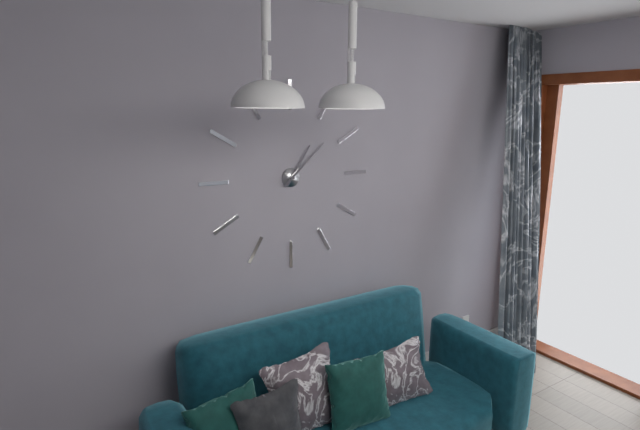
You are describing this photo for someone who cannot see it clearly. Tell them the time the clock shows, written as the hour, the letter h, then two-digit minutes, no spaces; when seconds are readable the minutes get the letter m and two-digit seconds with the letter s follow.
1h08
